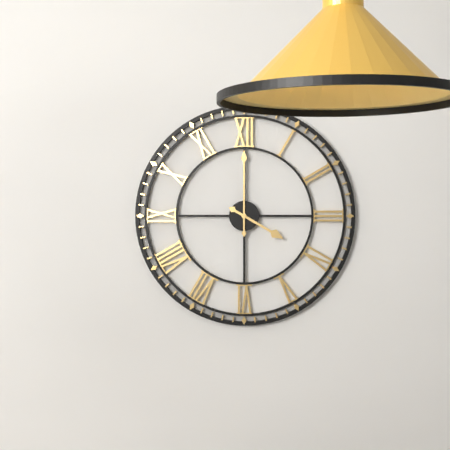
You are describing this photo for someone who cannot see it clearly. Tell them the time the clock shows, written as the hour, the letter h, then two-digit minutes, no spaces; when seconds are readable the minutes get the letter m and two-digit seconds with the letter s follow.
4h00
